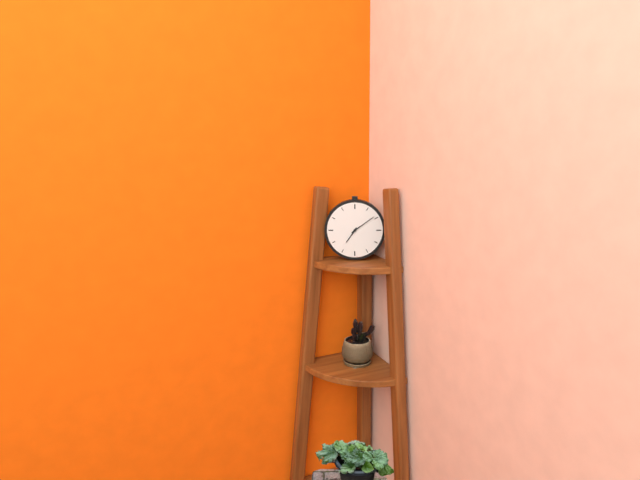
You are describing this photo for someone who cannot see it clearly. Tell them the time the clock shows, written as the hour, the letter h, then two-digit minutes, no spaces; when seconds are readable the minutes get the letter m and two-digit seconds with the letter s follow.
7h09
